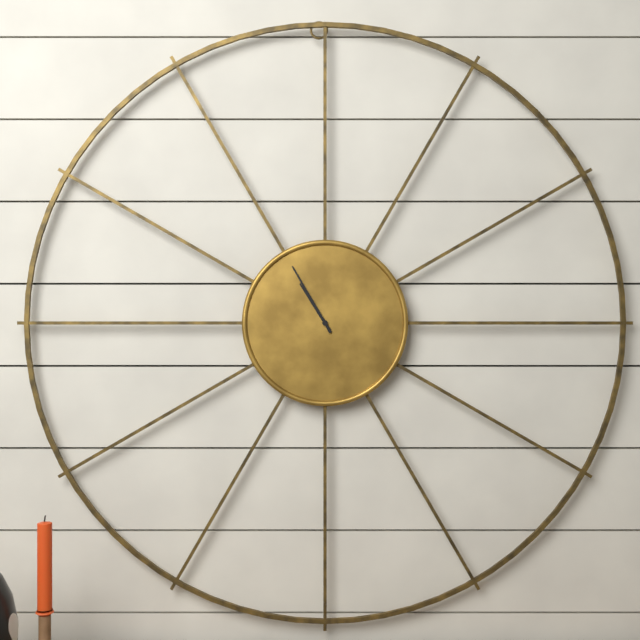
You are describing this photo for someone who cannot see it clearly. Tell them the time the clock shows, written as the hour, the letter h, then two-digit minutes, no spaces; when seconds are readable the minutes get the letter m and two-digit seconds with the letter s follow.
10h55
